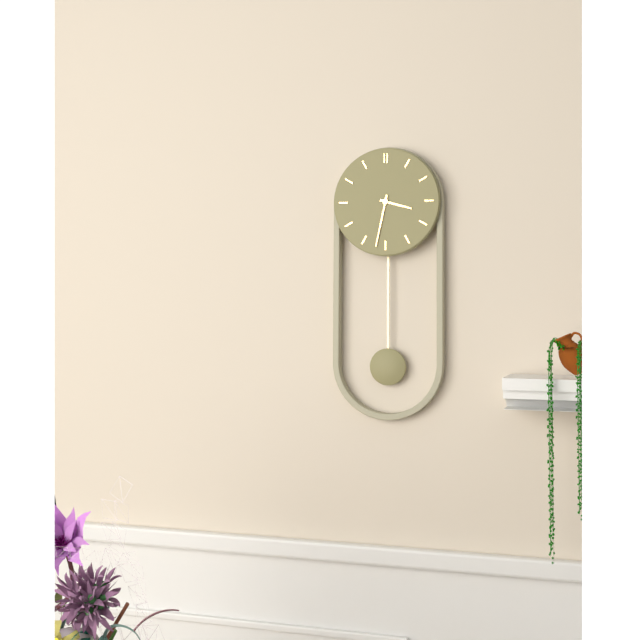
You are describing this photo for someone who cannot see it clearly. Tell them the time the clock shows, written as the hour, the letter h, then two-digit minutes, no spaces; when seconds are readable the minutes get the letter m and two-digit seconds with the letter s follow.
3h32
